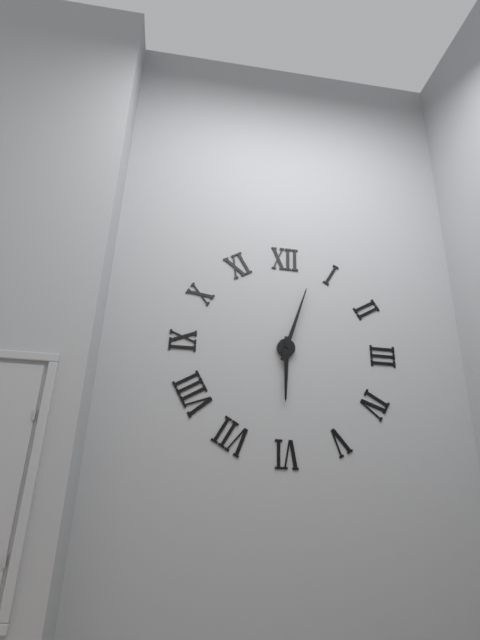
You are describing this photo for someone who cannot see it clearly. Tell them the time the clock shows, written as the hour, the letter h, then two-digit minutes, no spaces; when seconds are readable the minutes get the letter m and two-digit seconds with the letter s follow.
6h03
